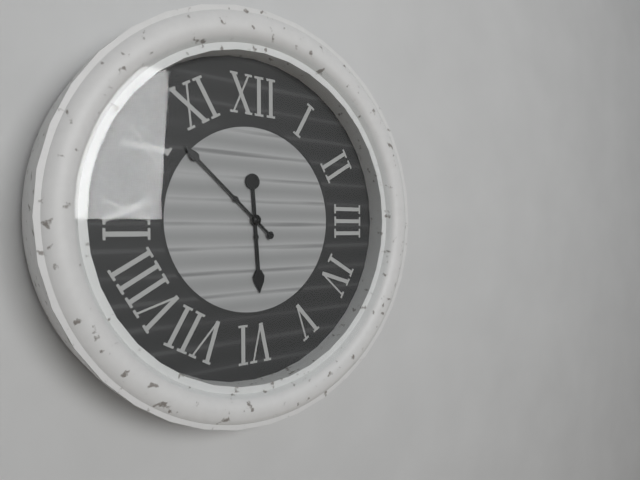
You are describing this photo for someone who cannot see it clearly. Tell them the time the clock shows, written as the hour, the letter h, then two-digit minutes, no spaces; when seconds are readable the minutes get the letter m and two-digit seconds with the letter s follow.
5h52
